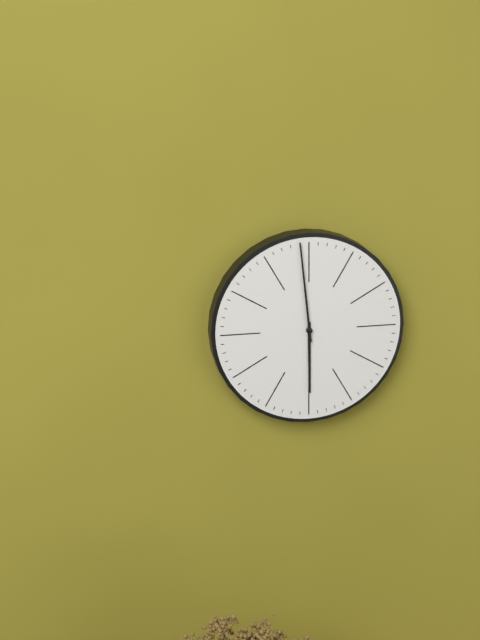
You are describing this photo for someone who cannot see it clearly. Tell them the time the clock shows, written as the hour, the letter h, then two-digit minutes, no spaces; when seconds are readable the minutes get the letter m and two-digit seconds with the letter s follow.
5h59
